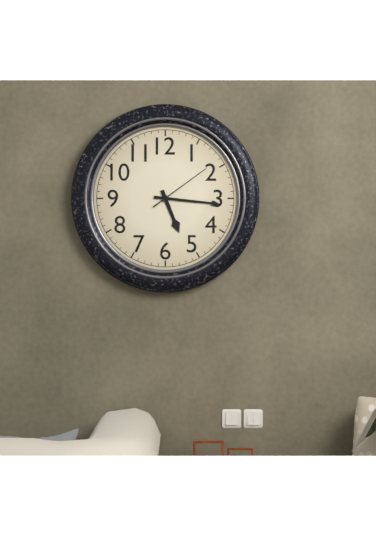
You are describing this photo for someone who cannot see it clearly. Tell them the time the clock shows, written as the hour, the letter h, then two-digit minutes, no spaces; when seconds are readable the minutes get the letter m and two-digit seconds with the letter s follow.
5h16m09s
